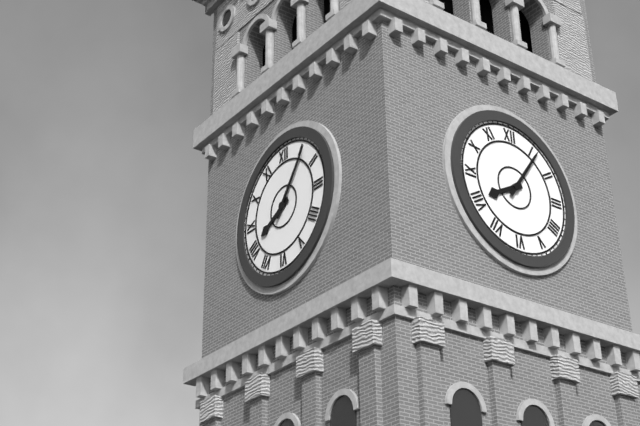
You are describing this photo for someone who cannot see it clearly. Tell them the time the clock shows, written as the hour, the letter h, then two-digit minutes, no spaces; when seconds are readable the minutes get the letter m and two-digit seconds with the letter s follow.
8h06
